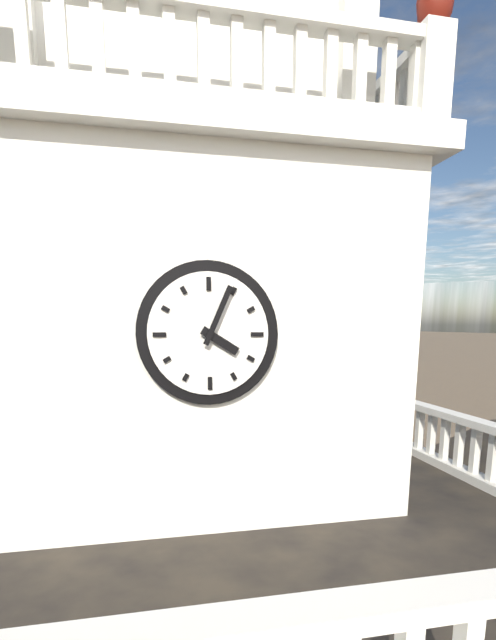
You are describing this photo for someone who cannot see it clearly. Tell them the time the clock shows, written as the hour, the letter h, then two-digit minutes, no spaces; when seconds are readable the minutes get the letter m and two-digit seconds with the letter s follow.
4h04
